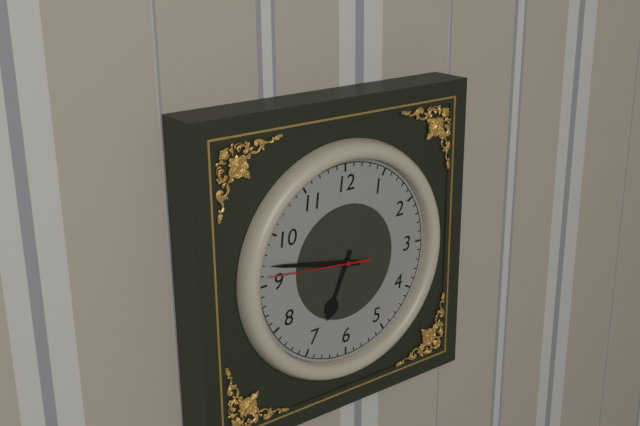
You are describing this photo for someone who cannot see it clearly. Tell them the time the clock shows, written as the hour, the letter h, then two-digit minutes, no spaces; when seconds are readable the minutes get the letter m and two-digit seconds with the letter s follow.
6h47m46s
